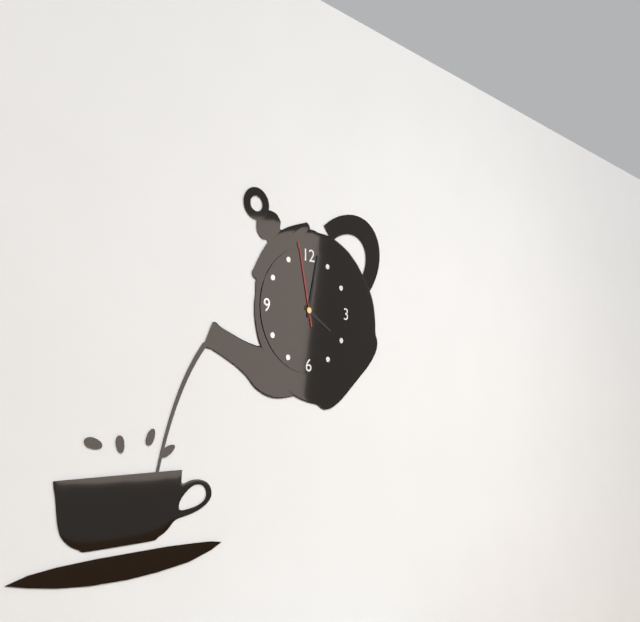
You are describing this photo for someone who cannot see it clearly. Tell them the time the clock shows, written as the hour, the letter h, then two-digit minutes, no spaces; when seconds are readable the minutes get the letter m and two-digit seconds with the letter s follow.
4h02m58s
